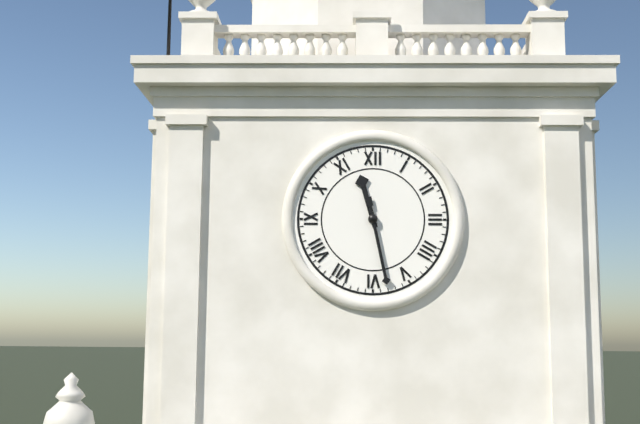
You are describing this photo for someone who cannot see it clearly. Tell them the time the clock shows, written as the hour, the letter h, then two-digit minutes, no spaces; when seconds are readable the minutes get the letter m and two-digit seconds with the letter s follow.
11h28
